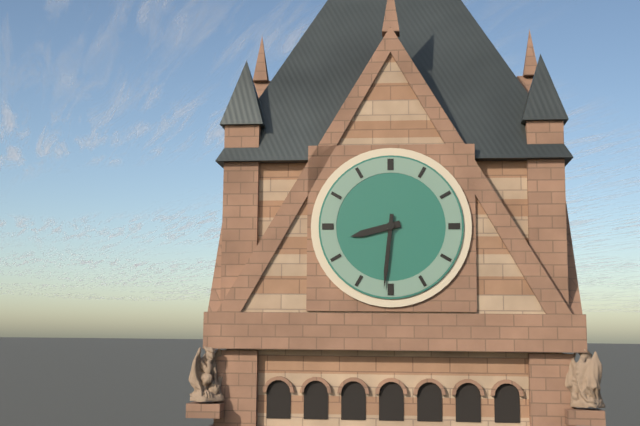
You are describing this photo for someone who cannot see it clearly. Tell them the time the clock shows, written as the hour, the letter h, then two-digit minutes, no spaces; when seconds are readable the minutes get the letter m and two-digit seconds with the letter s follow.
8h31
